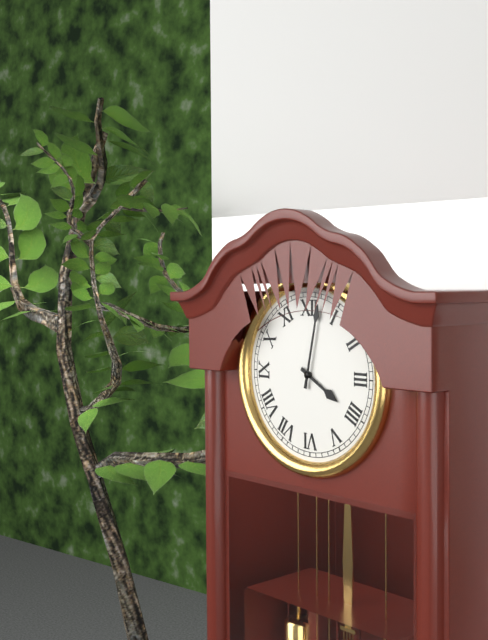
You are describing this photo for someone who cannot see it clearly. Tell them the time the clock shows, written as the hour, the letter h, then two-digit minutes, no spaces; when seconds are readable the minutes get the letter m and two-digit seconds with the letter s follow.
4h02
